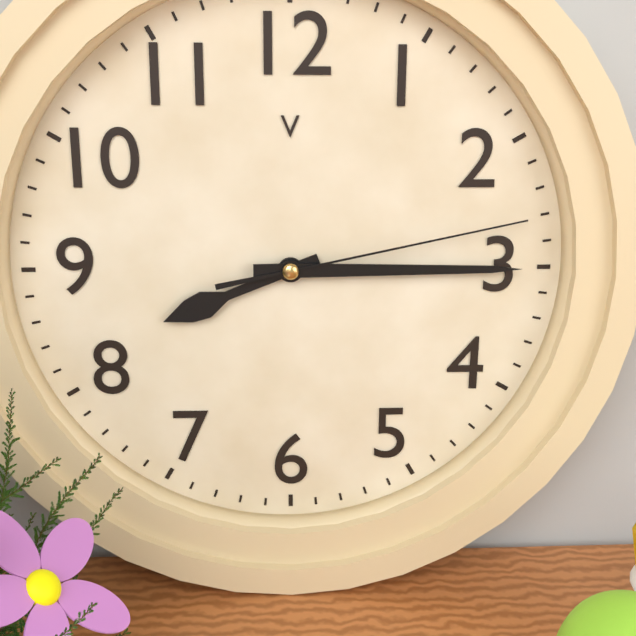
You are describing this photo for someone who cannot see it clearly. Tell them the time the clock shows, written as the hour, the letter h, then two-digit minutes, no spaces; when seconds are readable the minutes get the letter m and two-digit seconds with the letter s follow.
8h15m13s
